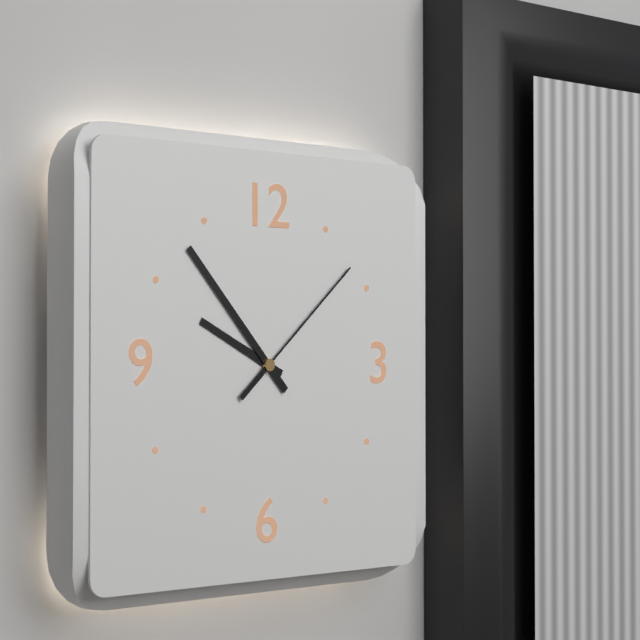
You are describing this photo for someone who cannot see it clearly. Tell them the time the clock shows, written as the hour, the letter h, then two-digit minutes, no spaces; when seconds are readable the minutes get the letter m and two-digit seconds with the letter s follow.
9h53m08s
